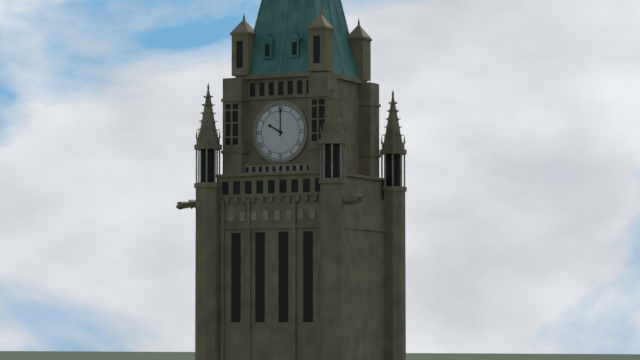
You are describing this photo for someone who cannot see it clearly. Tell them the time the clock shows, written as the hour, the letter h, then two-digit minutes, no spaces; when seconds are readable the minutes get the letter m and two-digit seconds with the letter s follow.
10h00
